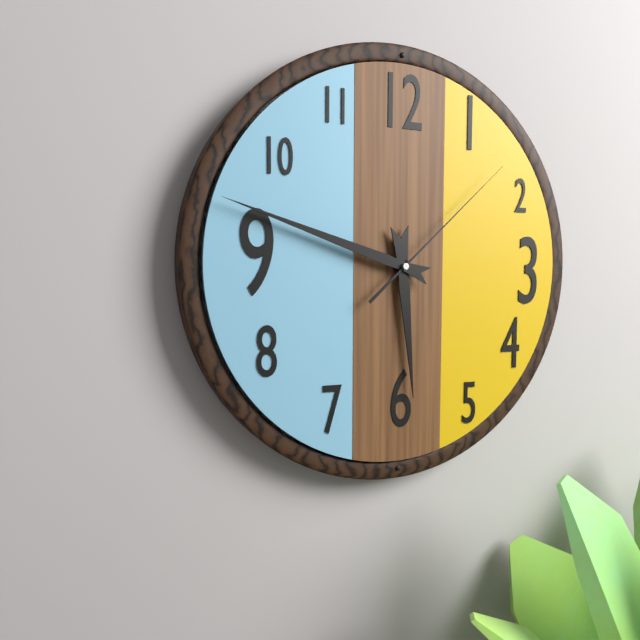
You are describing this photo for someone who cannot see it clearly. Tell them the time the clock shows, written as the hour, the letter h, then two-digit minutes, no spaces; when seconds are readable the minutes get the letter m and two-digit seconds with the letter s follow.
5h48m08s
